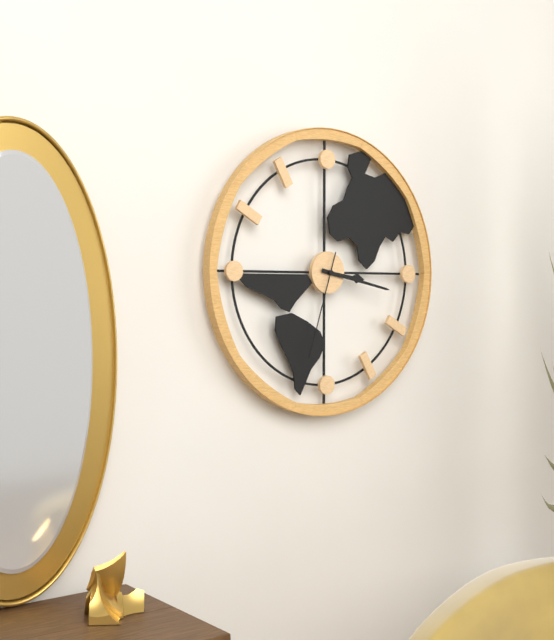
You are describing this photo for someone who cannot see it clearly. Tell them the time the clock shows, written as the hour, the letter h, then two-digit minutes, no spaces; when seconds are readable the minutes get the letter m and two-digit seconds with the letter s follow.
3h17m33s
